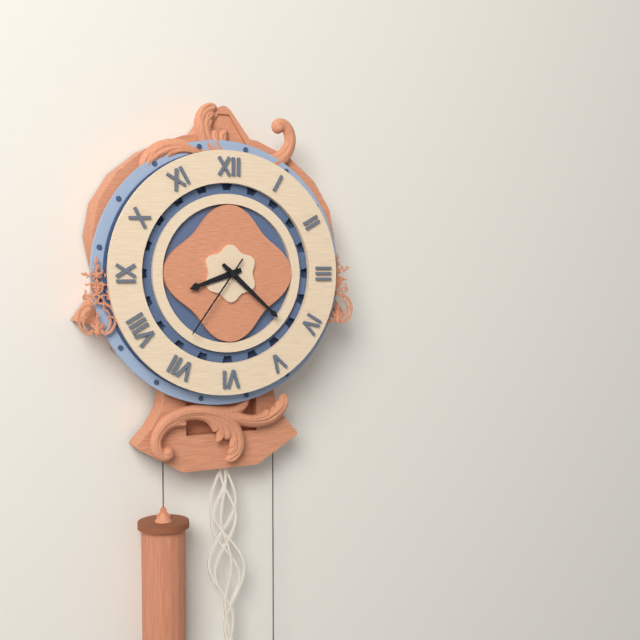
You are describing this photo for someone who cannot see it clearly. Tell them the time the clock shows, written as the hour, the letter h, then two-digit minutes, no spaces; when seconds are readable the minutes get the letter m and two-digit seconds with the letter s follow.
8h22m36s
